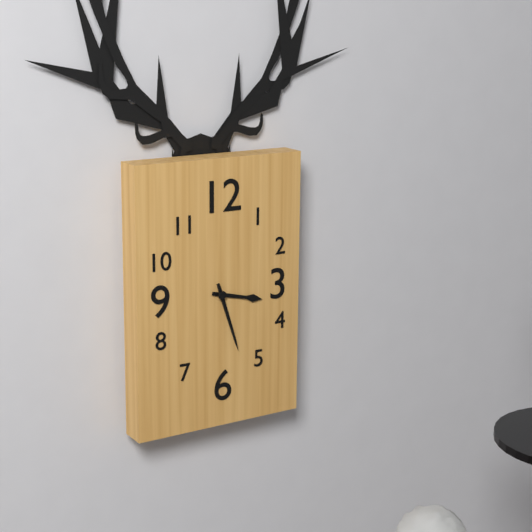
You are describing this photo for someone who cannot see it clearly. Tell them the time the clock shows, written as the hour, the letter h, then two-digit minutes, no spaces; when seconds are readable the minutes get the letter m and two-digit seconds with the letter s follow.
3h27
